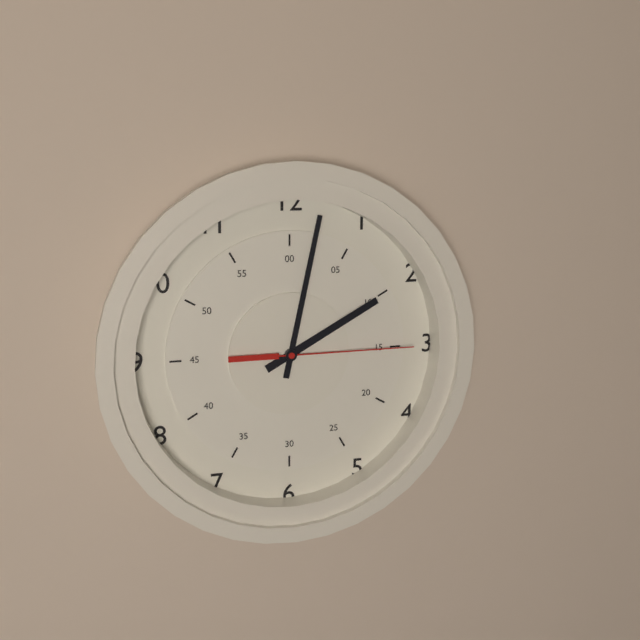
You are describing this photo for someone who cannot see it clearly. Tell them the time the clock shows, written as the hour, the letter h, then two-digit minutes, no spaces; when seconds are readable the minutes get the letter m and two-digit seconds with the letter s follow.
2h02m15s
